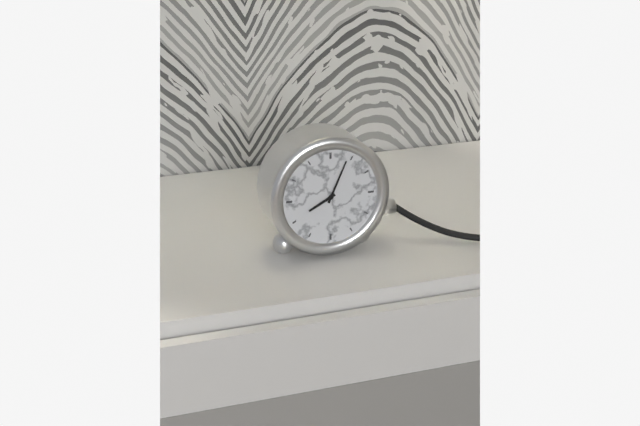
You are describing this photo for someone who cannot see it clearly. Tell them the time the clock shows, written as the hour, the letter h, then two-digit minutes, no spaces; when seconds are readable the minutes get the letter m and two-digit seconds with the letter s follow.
8h04
